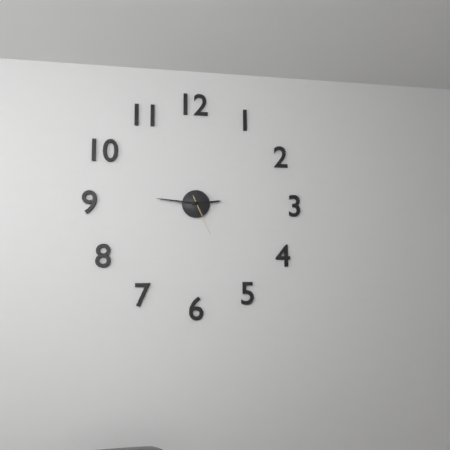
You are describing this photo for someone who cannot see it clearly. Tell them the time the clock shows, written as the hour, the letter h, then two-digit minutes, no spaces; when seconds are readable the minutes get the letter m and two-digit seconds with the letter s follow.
2h46
